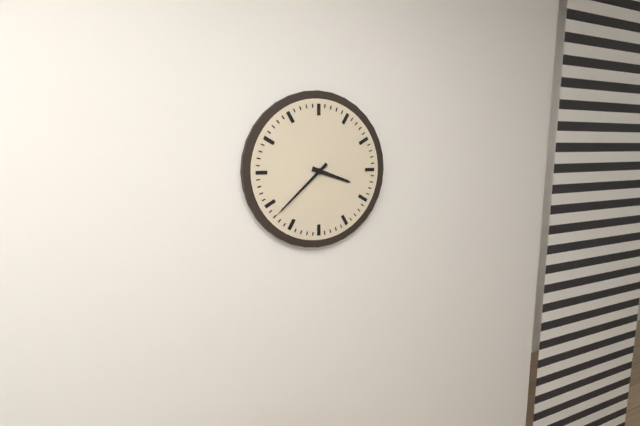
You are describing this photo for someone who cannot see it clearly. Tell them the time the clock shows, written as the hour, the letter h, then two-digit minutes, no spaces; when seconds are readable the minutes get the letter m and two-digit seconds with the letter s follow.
3h38
